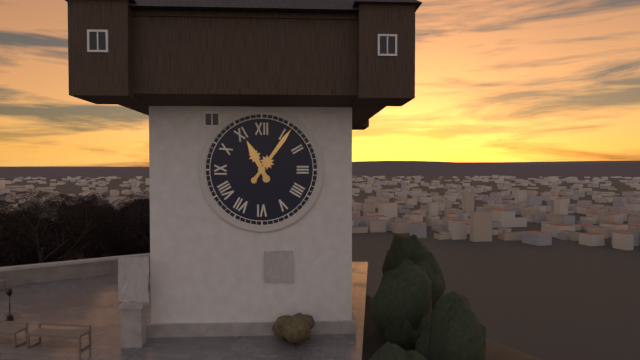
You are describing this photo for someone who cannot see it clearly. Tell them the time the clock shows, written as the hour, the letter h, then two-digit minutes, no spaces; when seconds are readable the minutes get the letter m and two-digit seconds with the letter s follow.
11h06
